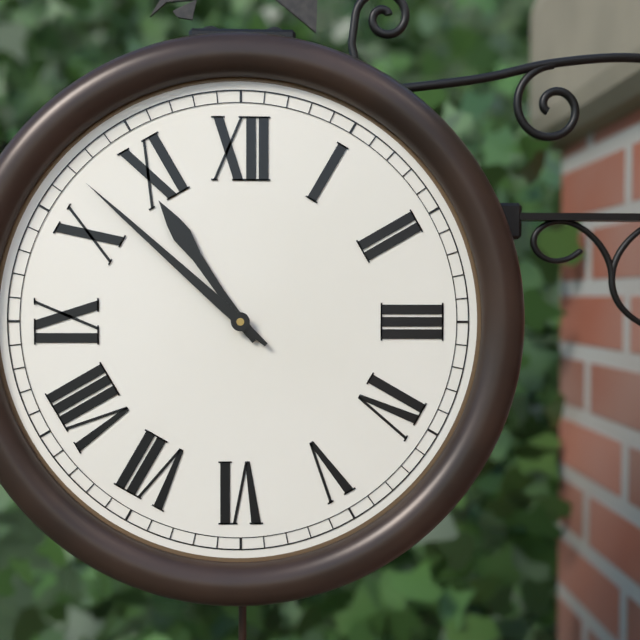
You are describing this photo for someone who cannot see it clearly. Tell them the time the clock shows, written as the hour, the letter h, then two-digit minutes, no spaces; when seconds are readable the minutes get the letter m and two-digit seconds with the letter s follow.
10h52
